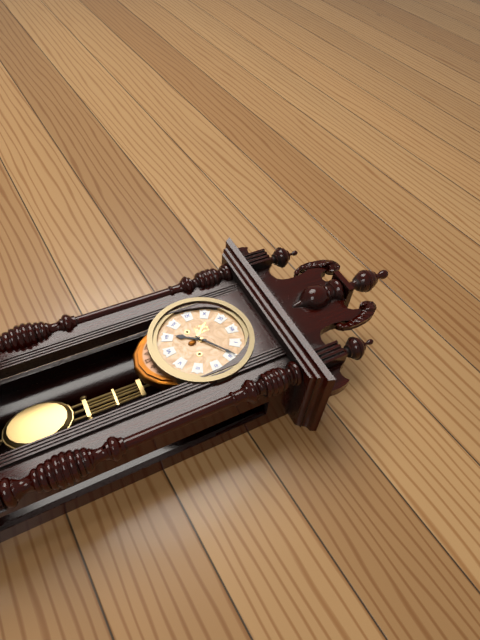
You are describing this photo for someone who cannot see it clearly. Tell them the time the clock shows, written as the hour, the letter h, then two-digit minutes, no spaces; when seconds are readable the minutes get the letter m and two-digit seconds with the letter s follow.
7h09
